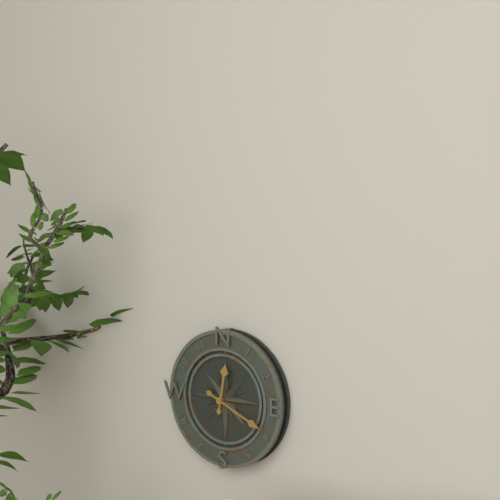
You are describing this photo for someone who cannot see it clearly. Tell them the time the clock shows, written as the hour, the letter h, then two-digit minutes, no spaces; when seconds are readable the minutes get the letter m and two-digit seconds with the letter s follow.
12h19
